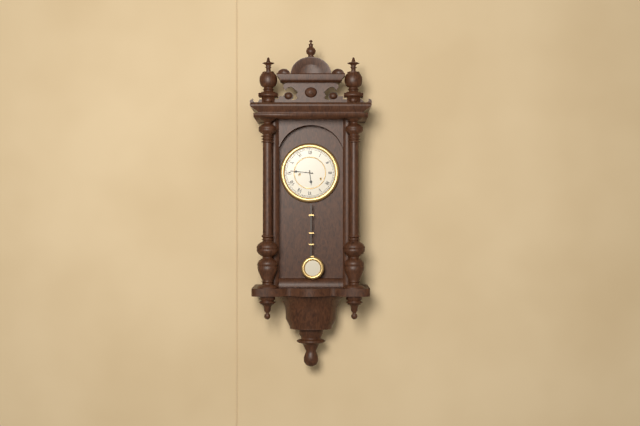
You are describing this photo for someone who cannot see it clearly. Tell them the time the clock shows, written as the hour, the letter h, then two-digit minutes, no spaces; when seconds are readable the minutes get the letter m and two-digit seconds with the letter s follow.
5h46
